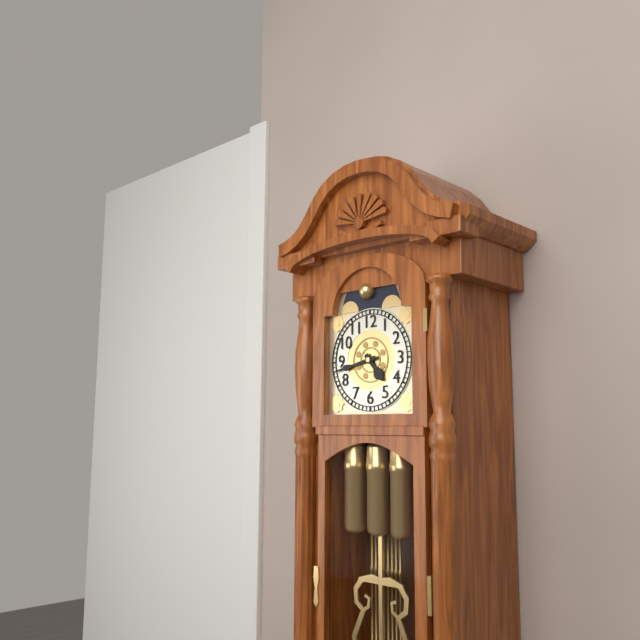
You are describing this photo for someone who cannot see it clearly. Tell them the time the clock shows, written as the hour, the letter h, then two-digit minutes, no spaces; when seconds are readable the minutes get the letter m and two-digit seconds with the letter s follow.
4h43
